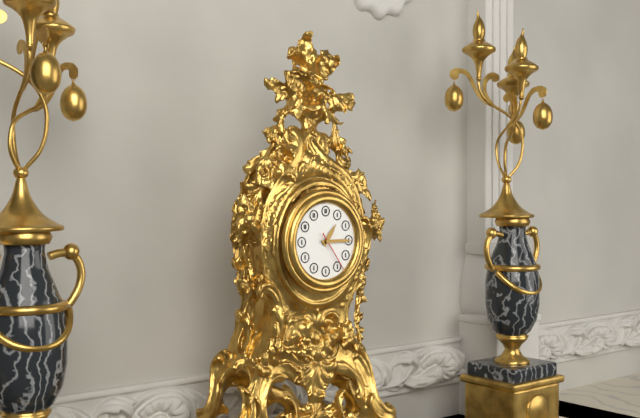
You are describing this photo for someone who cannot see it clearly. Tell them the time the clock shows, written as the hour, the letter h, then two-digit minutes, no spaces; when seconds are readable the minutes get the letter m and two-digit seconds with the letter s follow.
1h15
